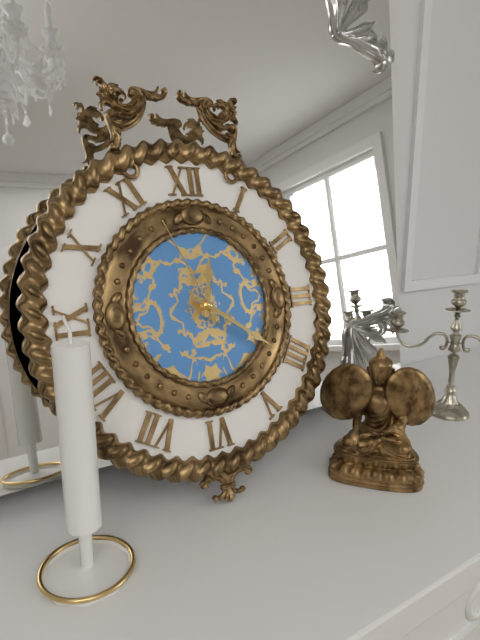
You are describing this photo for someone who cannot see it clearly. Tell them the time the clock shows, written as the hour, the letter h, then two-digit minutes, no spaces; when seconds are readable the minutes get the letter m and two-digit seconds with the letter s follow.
12h21m56s
